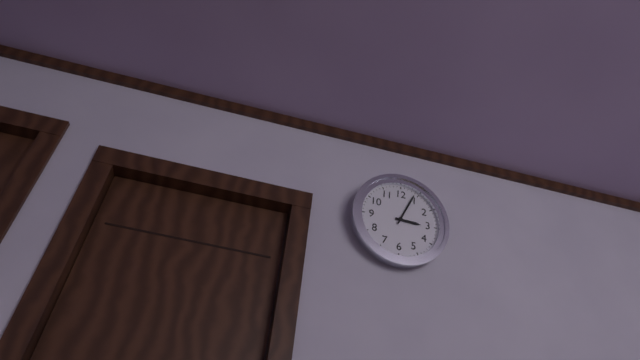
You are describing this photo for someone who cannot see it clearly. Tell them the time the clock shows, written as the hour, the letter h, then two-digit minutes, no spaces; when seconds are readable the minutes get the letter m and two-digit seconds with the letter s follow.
3h04
